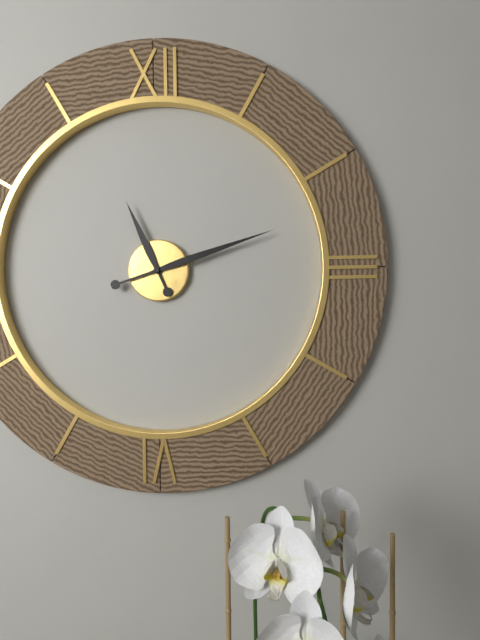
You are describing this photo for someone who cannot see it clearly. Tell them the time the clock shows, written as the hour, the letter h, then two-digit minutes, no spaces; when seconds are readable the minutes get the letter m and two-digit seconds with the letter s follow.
11h12
